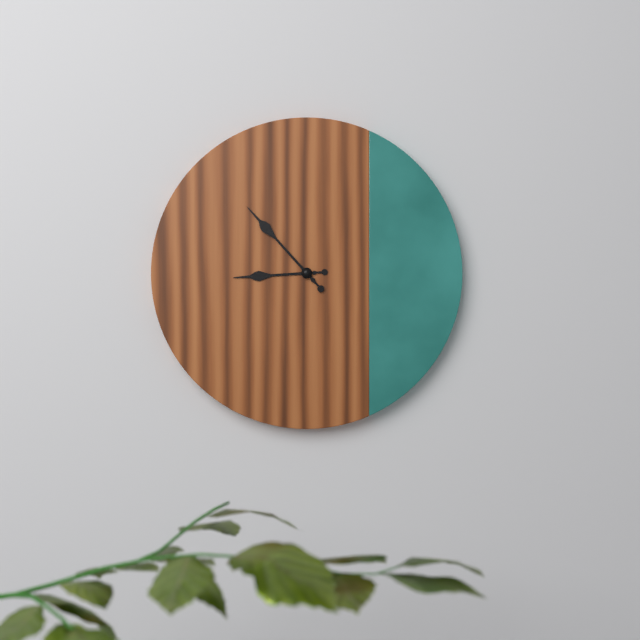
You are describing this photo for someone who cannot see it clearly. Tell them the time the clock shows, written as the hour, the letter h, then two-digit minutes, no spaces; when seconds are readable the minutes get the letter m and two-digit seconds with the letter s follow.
8h53
